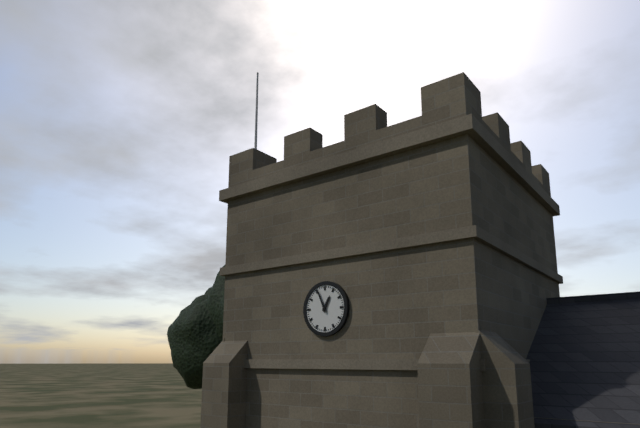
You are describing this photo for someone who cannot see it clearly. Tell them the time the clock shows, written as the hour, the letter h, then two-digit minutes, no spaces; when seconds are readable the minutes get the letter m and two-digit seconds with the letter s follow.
12h56
